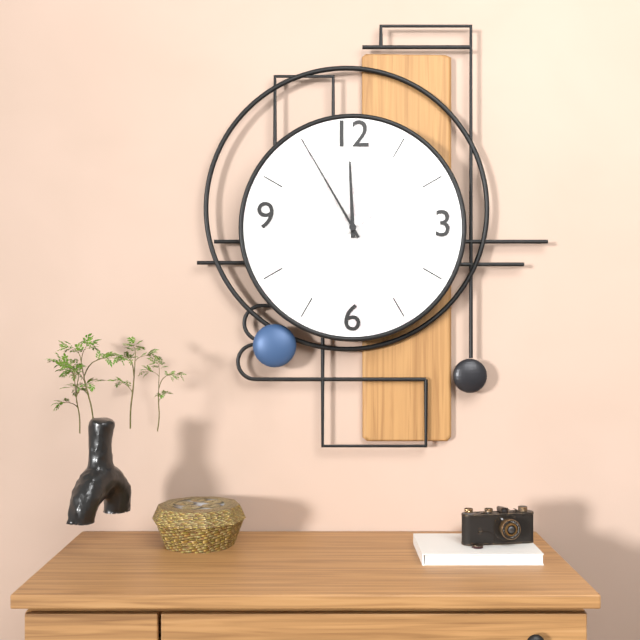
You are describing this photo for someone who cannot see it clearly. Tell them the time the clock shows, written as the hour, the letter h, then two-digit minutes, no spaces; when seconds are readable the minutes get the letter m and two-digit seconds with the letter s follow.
11h55m09s
